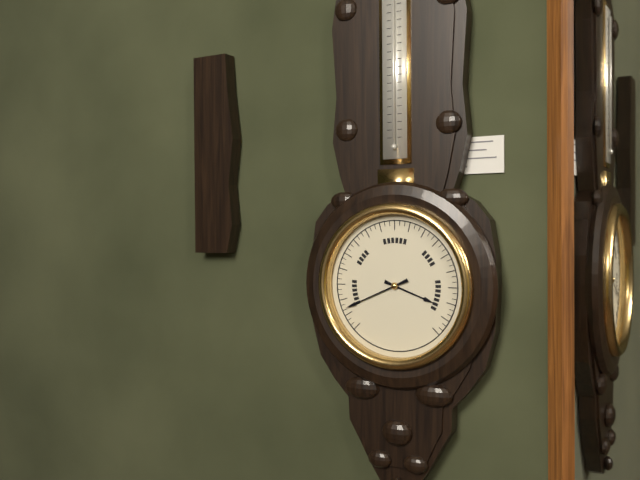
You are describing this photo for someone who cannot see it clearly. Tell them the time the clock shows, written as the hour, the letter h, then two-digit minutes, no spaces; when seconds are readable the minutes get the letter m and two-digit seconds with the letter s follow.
3h41
